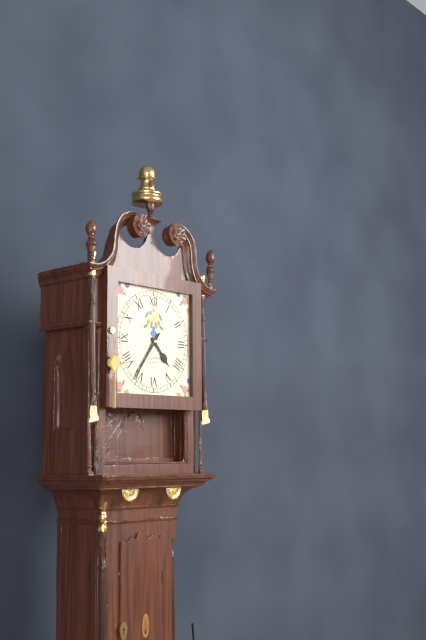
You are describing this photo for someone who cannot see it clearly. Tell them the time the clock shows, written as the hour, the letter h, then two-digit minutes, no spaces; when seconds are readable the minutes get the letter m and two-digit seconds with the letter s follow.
4h36
